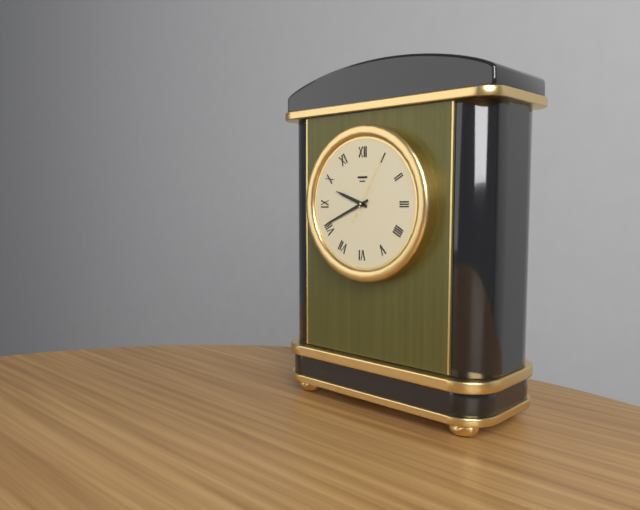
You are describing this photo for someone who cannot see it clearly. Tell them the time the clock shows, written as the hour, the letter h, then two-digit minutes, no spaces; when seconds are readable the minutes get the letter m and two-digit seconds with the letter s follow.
9h41m05s
